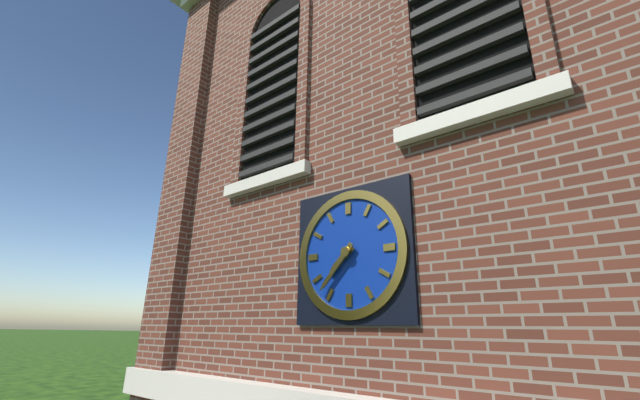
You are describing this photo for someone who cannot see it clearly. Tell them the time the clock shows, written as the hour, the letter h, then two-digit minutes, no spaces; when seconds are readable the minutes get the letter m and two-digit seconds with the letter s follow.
7h37
